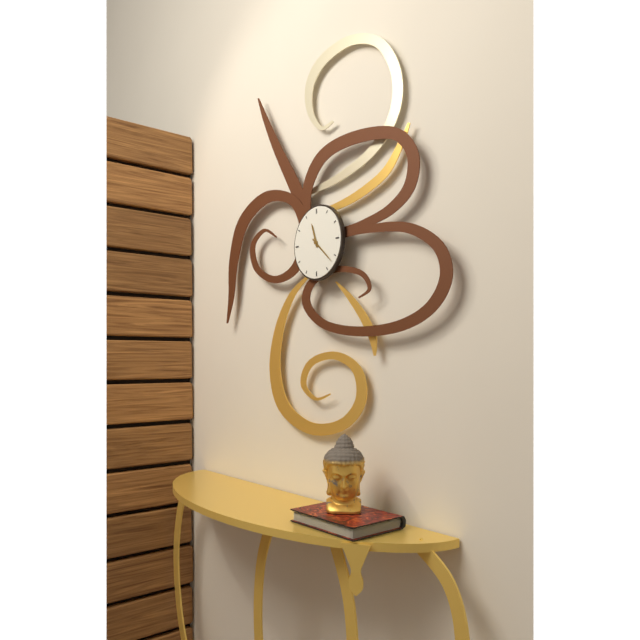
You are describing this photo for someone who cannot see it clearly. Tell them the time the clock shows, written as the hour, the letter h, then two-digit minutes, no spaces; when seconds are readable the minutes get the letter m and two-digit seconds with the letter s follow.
11h22
